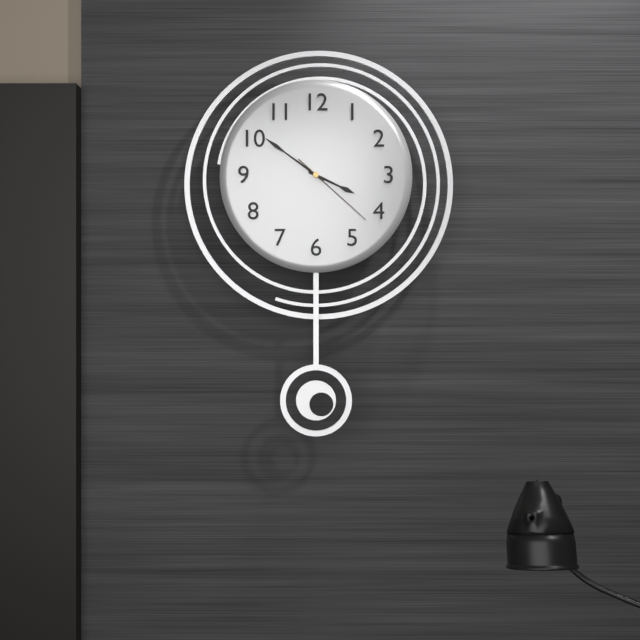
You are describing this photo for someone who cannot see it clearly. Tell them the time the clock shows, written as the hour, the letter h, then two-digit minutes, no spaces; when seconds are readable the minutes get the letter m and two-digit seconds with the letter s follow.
3h51m22s
